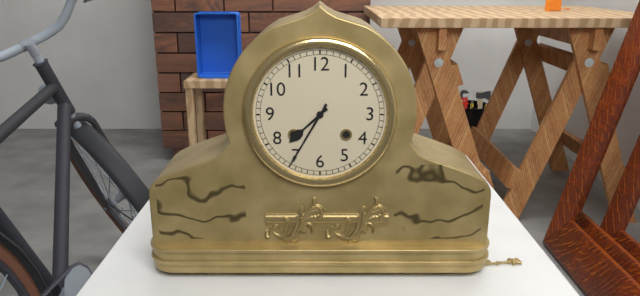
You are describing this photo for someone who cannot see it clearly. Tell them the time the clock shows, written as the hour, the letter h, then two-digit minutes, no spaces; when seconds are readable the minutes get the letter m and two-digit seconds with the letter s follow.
7h35
